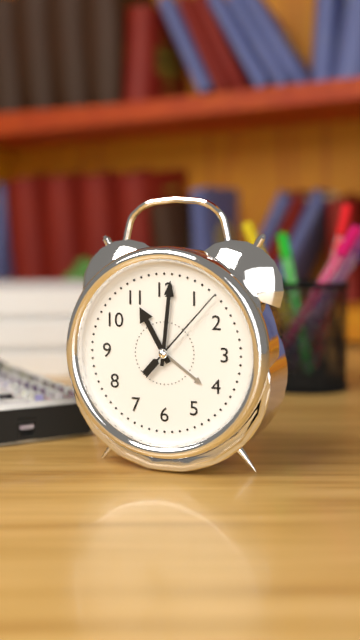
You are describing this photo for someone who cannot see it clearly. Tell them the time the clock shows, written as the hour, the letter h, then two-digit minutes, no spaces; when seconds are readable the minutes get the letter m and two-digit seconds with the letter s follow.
11h01m07s
